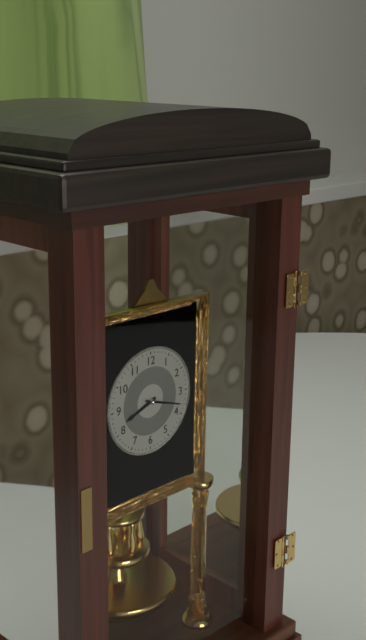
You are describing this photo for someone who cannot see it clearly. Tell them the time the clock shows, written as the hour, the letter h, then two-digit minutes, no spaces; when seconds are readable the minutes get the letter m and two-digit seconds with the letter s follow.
8h18
